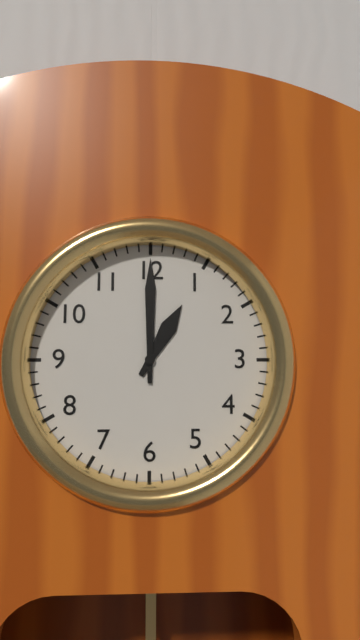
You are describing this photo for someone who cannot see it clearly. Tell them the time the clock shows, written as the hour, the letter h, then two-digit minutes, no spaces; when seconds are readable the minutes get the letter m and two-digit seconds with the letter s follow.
1h00
